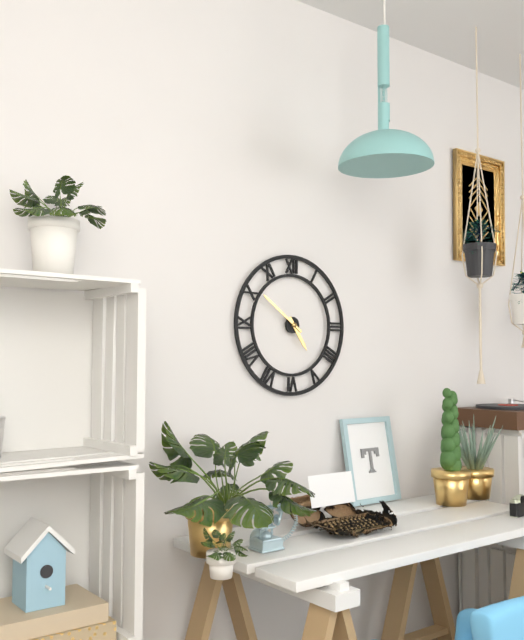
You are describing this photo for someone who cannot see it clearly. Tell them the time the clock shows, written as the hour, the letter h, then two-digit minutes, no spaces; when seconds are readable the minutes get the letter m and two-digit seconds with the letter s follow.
4h51
